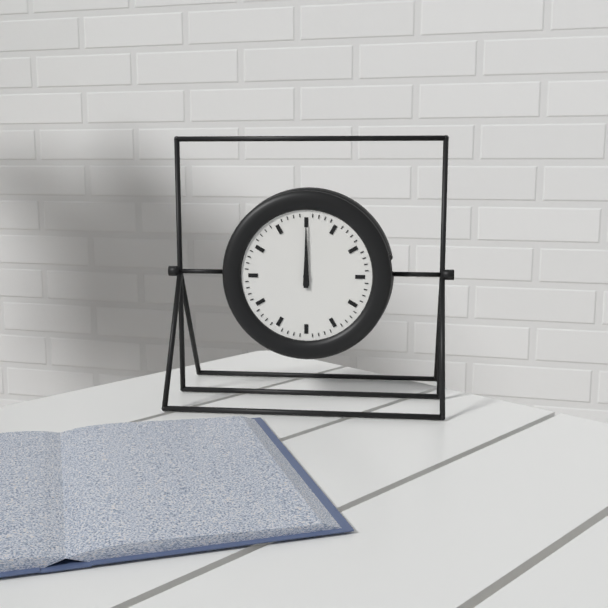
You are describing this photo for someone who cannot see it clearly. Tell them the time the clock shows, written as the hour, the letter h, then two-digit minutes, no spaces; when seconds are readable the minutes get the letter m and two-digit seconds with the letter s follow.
12h00
